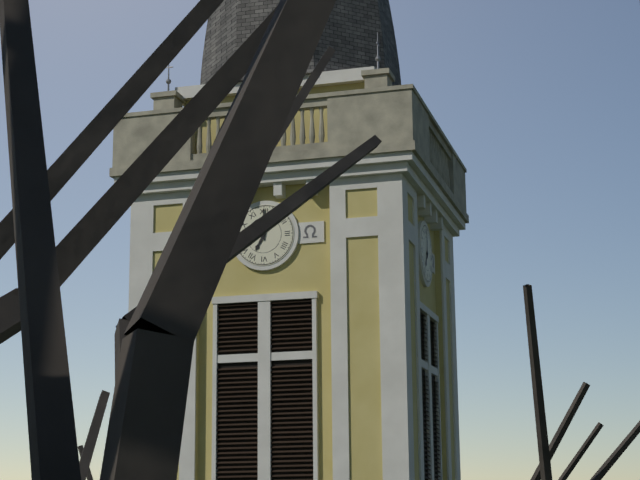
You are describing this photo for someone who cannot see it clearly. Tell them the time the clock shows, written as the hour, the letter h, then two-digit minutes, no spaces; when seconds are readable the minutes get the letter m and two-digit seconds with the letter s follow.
7h00
